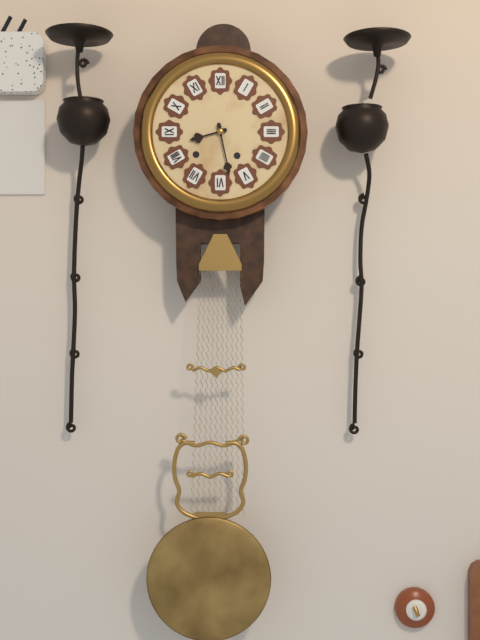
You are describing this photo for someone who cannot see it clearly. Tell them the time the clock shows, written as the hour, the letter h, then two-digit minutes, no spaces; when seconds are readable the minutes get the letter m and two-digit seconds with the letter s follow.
8h28
